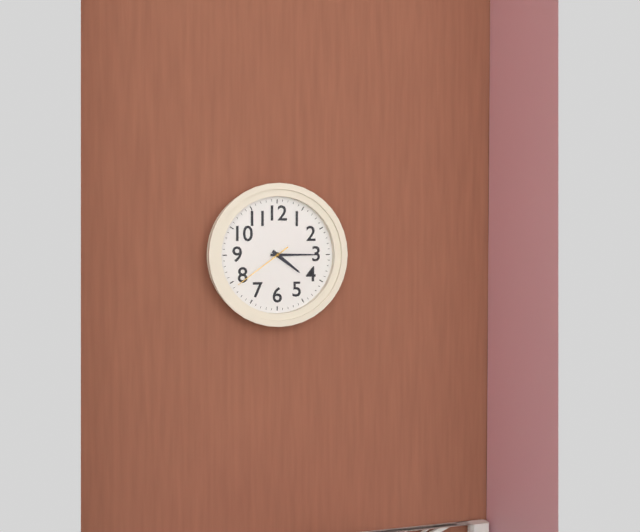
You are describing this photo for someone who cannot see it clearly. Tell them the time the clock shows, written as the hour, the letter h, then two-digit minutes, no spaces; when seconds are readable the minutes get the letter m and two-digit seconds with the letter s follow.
4h15m39s
